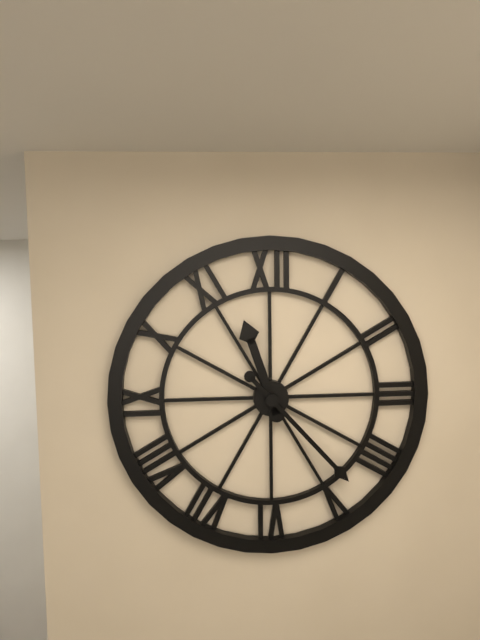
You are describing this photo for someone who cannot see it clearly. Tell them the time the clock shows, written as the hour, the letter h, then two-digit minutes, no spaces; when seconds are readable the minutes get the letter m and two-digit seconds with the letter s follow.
11h23
